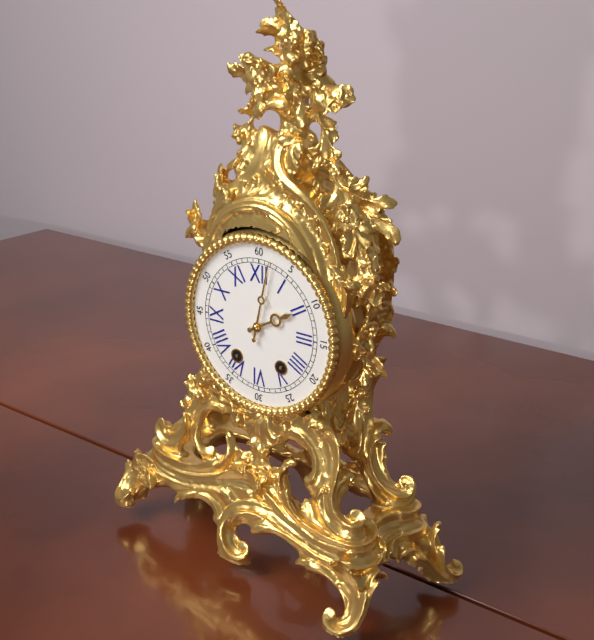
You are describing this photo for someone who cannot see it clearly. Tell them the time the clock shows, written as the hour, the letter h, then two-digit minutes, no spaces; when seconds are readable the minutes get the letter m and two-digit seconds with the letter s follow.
2h02
